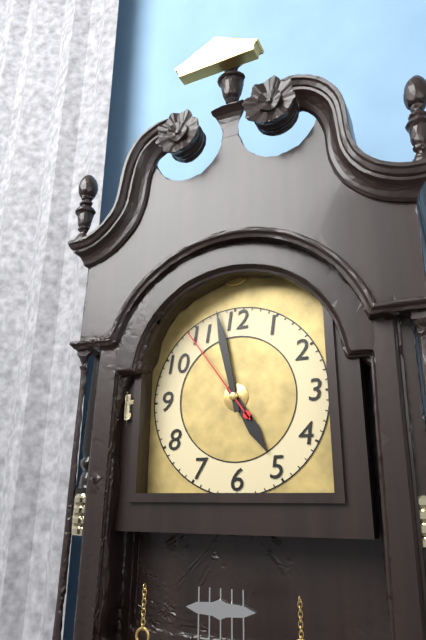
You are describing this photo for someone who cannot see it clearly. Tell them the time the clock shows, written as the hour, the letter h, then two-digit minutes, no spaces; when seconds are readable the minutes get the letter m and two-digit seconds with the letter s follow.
4h58m54s
